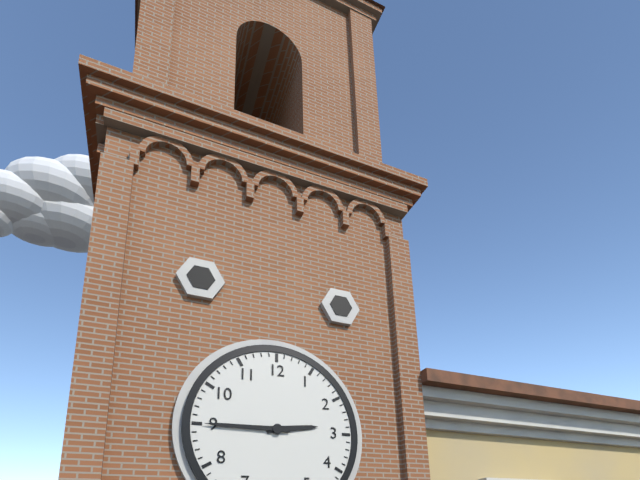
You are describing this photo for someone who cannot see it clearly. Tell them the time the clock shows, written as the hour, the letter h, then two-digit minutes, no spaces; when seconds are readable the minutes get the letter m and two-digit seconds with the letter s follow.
2h45
